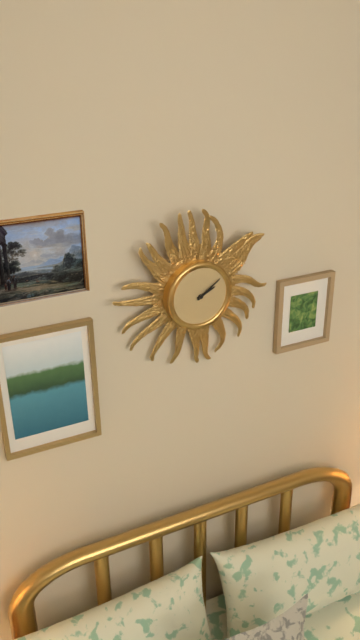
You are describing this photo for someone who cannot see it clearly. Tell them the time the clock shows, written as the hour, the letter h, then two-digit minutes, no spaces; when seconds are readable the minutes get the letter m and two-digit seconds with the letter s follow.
2h09
